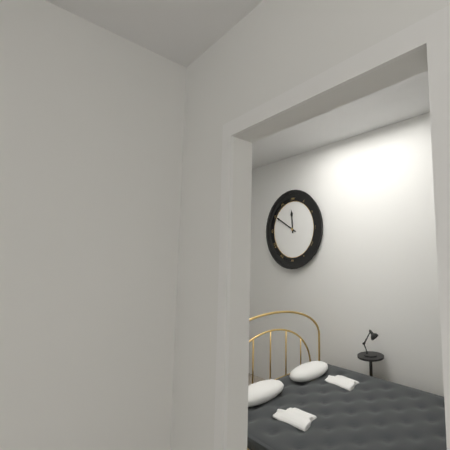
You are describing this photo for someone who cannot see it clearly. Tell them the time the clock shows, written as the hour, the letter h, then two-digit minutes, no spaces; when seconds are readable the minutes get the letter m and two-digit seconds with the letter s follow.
11h50
